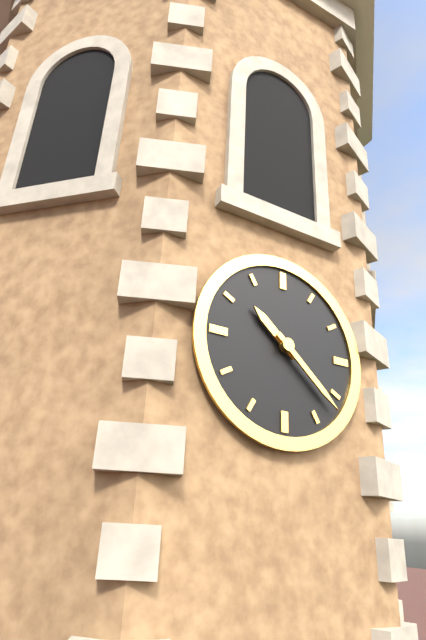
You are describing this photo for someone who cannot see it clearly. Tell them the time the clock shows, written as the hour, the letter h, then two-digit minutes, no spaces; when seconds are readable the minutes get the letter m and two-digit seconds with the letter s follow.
10h22
